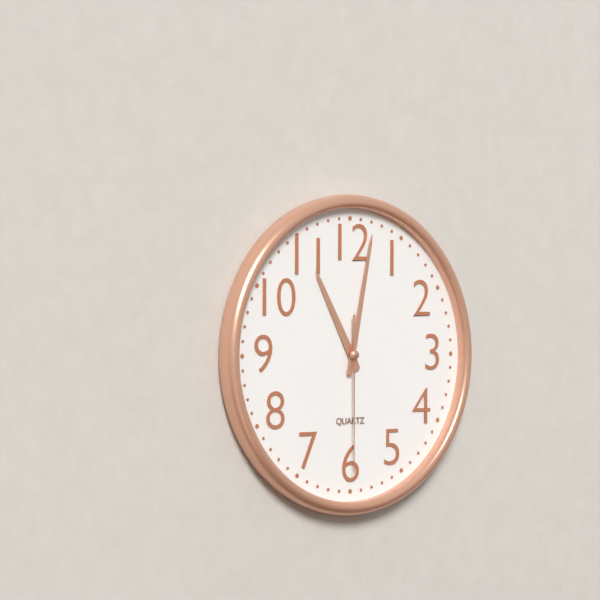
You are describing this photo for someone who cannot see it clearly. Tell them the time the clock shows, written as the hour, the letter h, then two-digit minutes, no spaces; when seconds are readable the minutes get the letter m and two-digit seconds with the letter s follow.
11h02m30s
